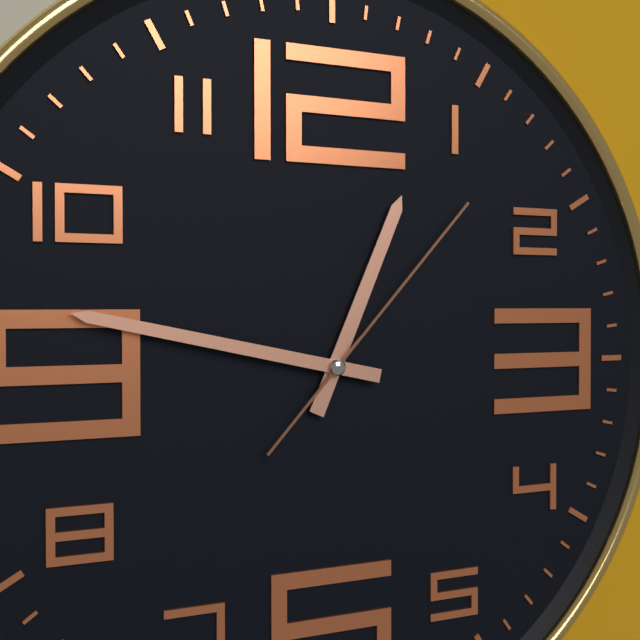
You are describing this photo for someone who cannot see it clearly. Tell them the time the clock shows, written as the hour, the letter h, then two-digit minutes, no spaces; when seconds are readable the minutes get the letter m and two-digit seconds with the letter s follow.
12h47m07s
